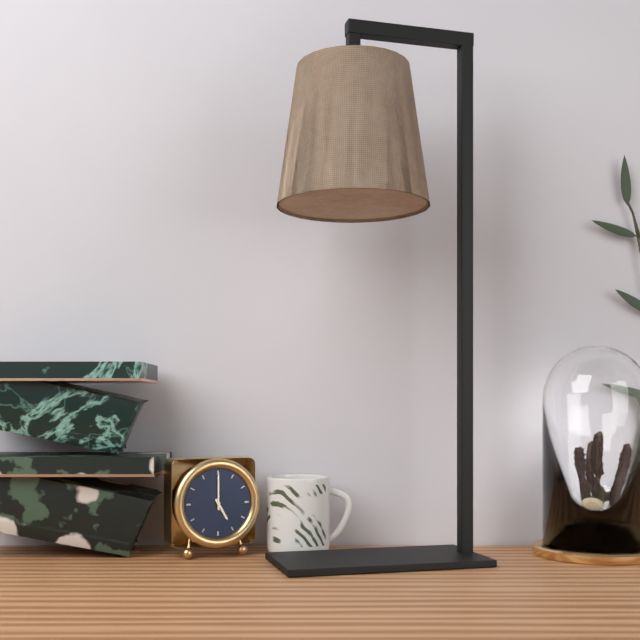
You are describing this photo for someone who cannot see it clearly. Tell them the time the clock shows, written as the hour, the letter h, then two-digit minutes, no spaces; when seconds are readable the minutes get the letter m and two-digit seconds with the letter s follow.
5h00
